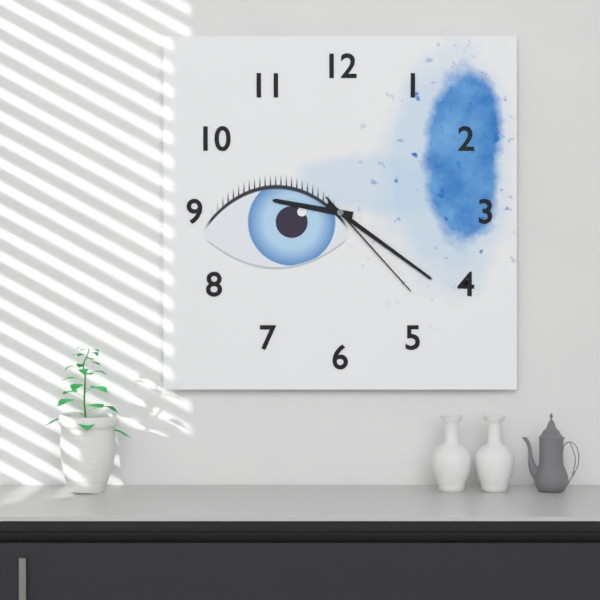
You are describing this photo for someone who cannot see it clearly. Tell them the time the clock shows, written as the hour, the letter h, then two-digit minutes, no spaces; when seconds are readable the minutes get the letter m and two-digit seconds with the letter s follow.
9h21m23s
